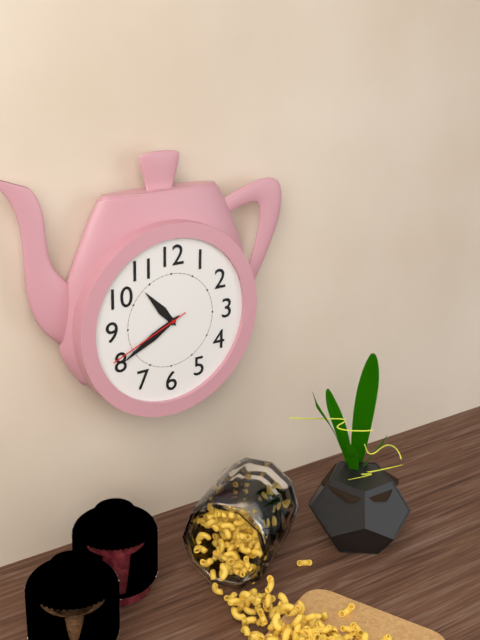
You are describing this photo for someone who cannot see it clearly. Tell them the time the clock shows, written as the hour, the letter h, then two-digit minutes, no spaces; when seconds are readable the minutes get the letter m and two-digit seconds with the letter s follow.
10h40m41s
